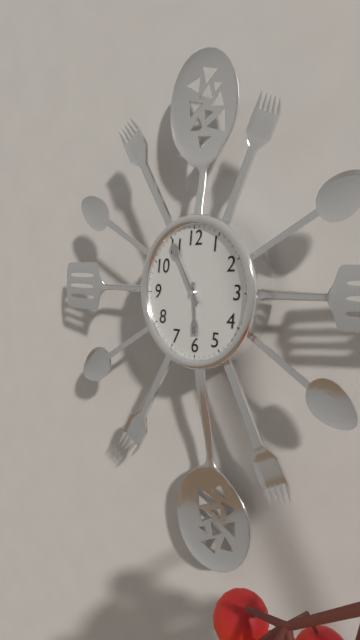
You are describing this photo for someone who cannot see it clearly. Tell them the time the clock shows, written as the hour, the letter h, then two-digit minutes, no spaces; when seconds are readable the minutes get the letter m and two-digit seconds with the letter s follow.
5h55
